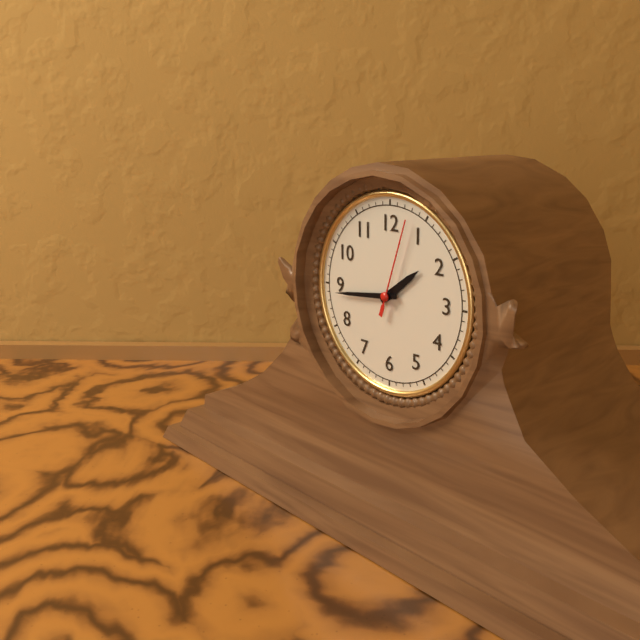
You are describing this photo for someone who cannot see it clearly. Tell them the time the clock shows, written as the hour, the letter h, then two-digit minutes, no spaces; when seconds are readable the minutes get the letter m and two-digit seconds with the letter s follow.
1h44m03s
